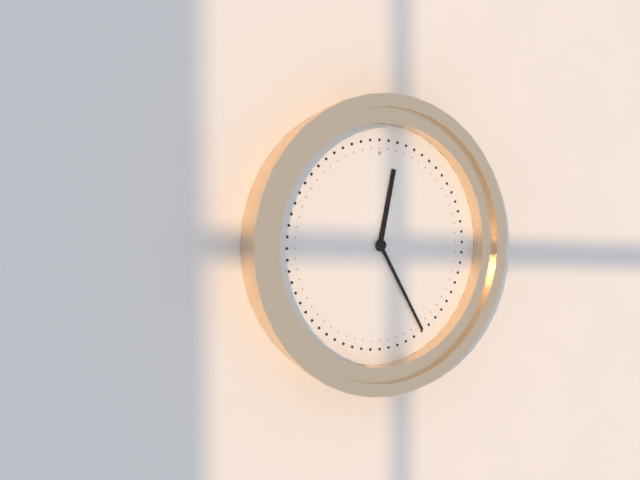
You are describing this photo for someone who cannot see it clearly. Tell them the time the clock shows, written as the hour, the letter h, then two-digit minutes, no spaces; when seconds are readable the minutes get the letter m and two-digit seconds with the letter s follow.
12h25
